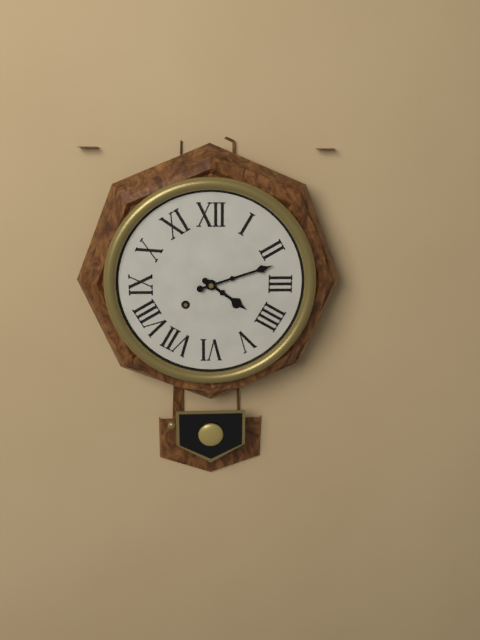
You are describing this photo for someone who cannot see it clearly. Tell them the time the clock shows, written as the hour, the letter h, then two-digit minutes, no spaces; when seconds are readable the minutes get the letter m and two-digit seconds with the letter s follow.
4h12
